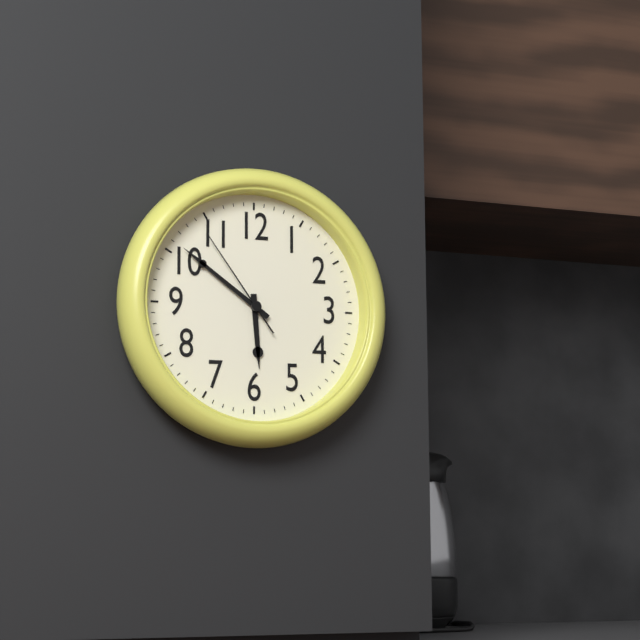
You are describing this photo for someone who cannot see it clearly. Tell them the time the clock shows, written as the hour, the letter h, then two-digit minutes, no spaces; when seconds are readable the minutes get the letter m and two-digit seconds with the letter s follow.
5h51m54s
